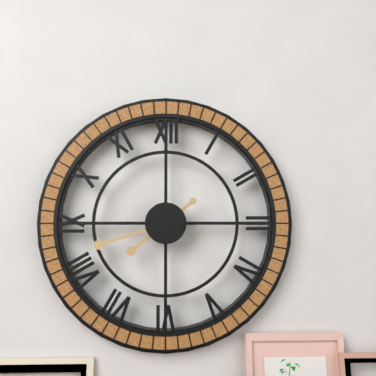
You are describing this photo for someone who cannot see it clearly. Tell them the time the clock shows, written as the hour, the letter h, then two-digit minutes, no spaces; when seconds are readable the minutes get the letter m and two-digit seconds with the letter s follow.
7h42
